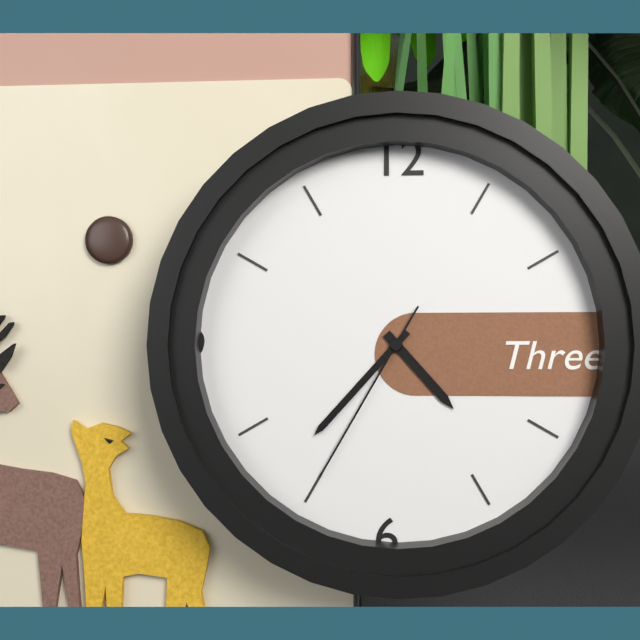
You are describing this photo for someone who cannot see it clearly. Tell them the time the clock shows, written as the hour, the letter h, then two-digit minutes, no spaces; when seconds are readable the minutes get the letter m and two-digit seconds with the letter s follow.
4h37m35s
